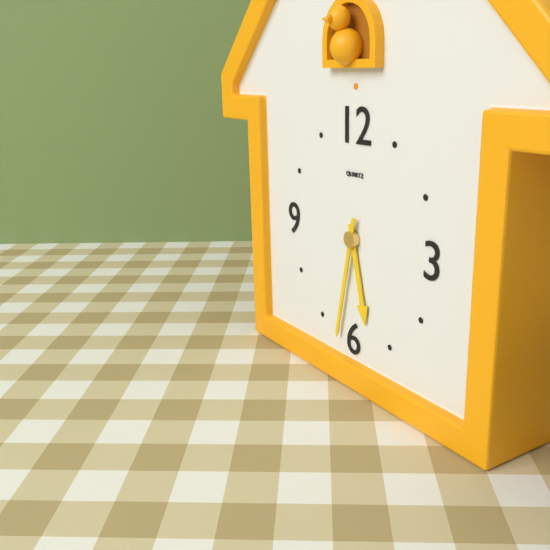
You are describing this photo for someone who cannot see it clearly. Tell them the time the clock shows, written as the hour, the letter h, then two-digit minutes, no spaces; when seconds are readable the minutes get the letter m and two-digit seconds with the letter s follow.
5h32
